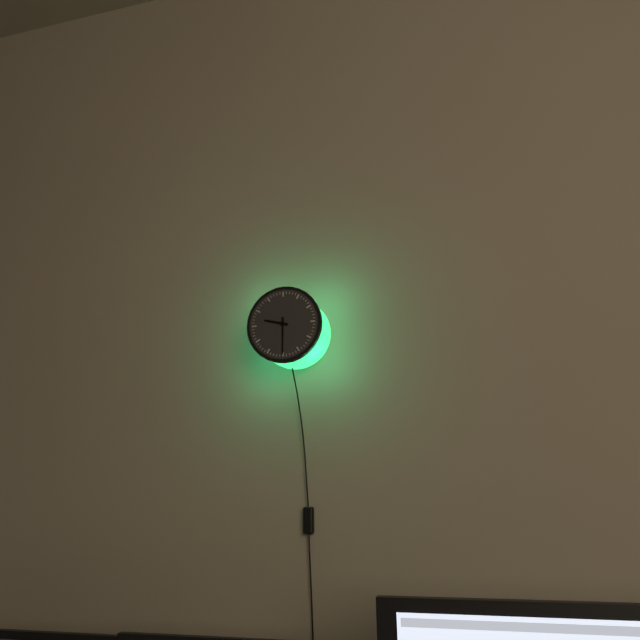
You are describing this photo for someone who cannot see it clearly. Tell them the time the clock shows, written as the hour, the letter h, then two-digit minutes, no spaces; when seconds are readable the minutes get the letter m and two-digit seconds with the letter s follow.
9h30
